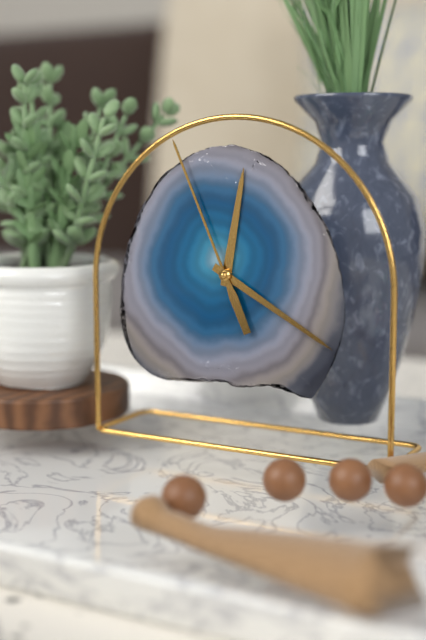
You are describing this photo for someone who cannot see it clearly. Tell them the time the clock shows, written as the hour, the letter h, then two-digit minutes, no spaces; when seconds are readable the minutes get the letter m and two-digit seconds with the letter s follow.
12h20m56s
